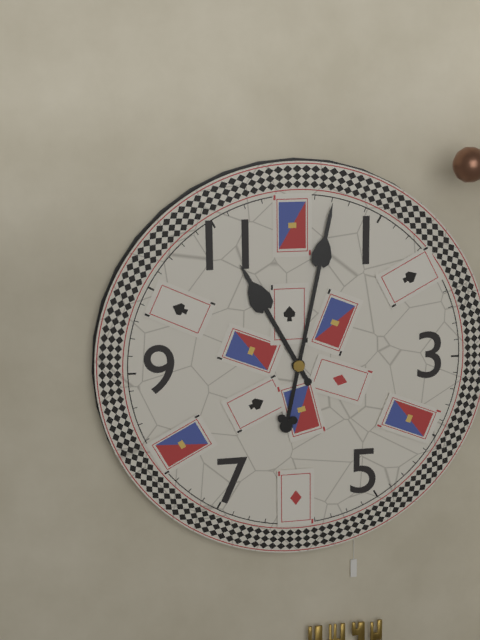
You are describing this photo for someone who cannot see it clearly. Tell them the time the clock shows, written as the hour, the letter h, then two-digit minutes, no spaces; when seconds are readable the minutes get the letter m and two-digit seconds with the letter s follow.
11h02
